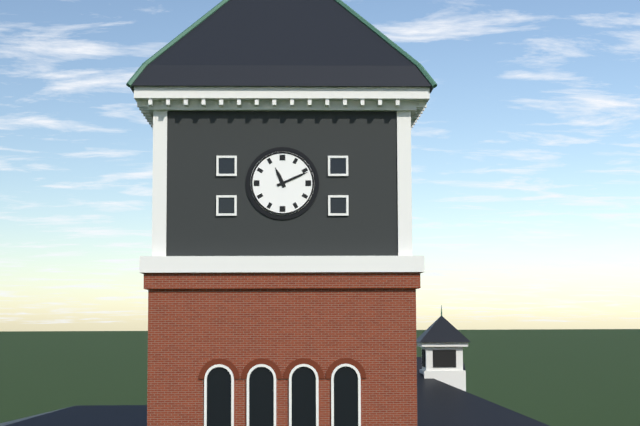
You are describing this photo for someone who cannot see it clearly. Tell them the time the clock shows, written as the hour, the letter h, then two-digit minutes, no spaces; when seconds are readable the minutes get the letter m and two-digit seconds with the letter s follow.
11h11
